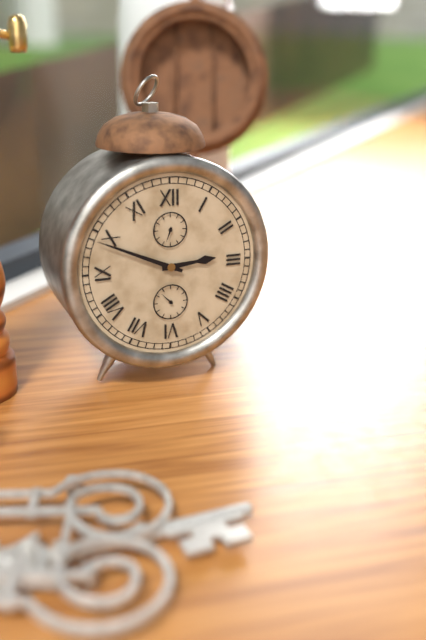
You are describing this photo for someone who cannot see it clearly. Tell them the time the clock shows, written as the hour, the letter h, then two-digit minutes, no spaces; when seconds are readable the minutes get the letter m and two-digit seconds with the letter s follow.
2h49
